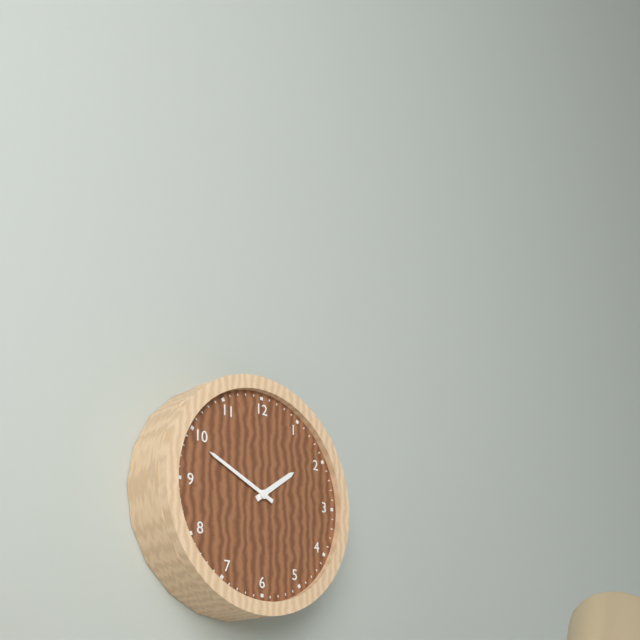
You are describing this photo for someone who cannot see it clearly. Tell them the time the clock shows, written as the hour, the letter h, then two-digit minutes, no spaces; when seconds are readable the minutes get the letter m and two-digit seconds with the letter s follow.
1h49
